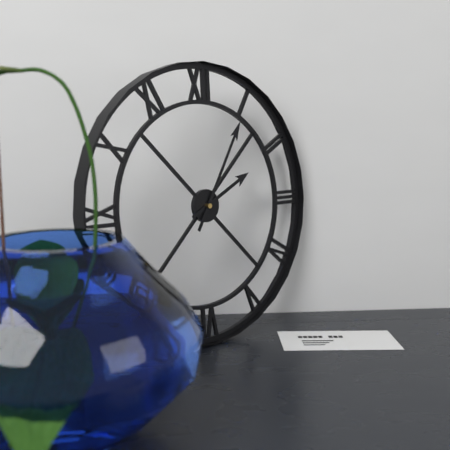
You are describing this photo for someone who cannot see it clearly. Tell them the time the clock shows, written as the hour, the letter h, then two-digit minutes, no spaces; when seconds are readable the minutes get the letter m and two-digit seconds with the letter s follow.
2h05
